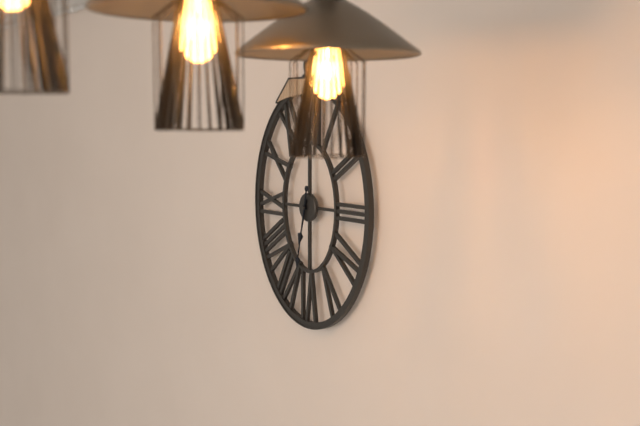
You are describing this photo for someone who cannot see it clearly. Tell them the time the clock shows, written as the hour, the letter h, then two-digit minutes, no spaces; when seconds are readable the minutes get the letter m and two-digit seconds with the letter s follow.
6h32
